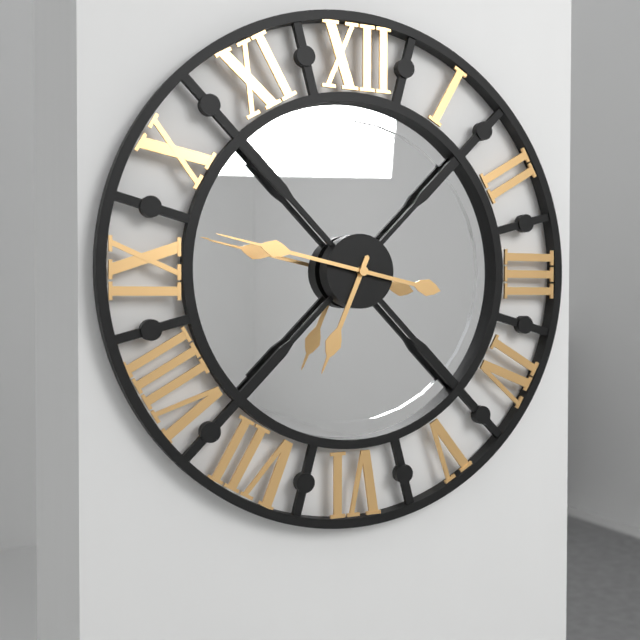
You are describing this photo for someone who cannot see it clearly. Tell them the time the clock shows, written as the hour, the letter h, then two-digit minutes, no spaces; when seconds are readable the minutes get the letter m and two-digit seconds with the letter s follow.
6h47
